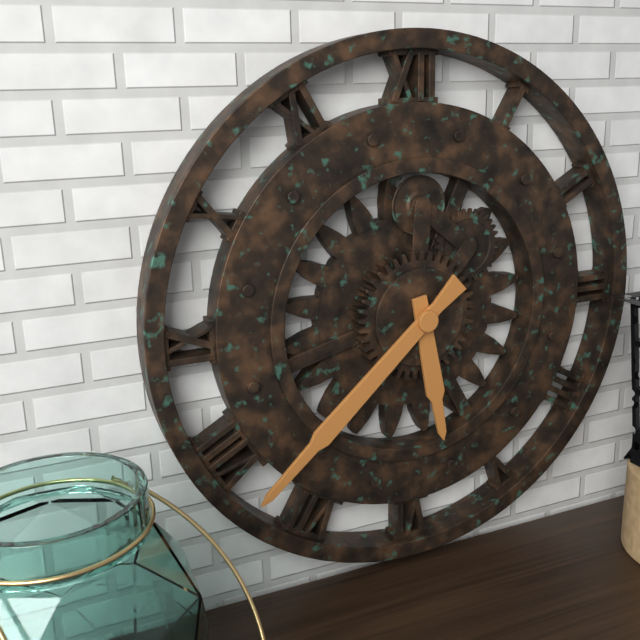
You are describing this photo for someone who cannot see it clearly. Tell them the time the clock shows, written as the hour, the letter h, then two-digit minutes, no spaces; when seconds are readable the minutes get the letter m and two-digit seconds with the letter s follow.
5h38
